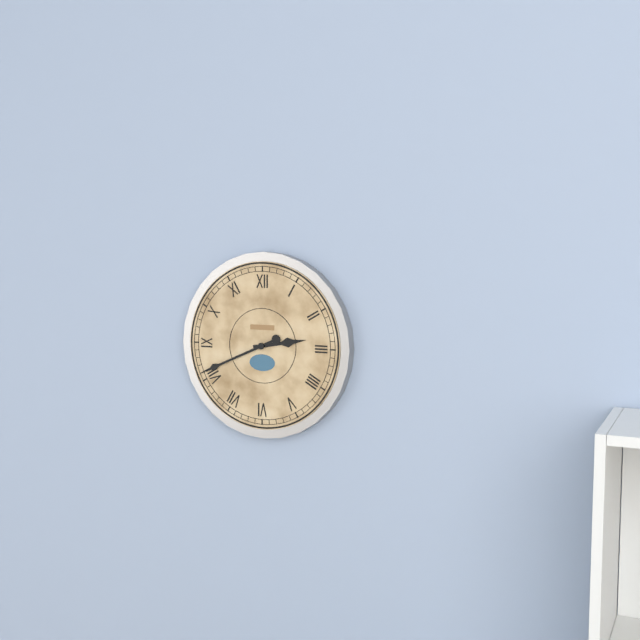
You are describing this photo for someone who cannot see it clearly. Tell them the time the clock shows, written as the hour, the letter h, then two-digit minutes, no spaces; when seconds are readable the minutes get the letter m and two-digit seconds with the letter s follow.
2h41
